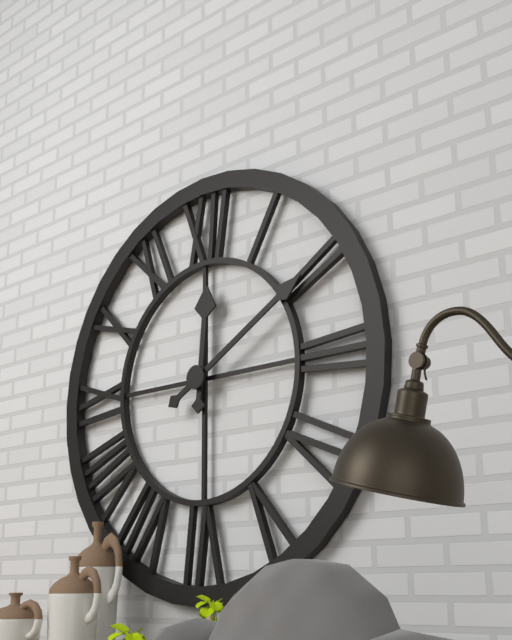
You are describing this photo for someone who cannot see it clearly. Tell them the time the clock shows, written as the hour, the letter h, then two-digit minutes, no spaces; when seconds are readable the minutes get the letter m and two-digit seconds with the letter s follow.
12h10
